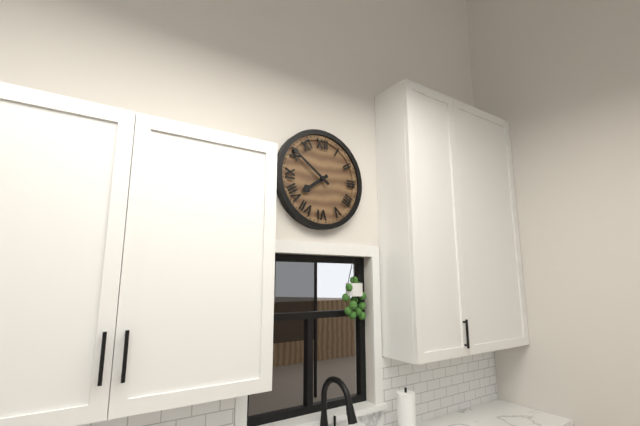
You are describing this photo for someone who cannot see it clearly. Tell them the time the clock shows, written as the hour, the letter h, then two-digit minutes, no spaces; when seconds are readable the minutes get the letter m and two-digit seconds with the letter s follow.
7h51
